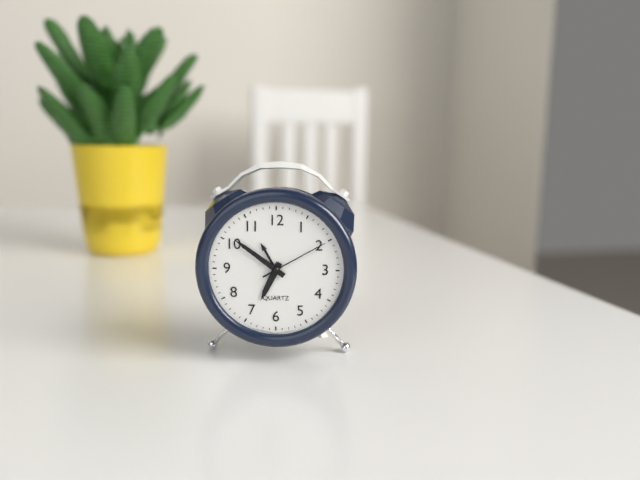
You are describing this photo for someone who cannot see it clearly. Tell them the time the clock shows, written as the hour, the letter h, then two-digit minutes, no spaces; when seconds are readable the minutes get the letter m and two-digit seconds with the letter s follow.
6h51m10s
